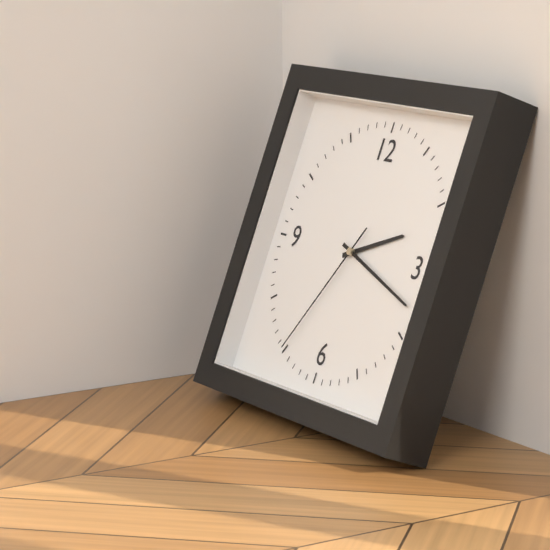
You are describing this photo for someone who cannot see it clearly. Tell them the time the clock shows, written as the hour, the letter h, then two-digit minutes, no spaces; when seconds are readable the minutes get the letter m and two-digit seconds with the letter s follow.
2h18m35s
